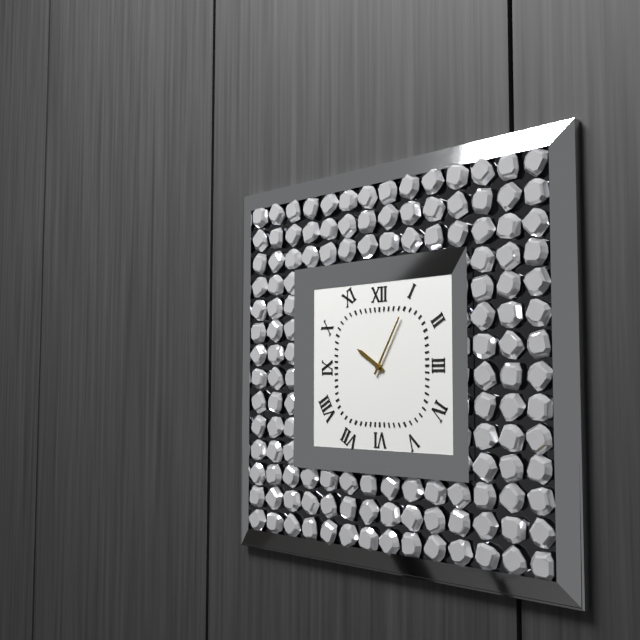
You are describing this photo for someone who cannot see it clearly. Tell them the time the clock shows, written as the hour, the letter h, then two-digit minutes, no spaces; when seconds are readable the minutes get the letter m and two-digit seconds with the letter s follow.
10h05
